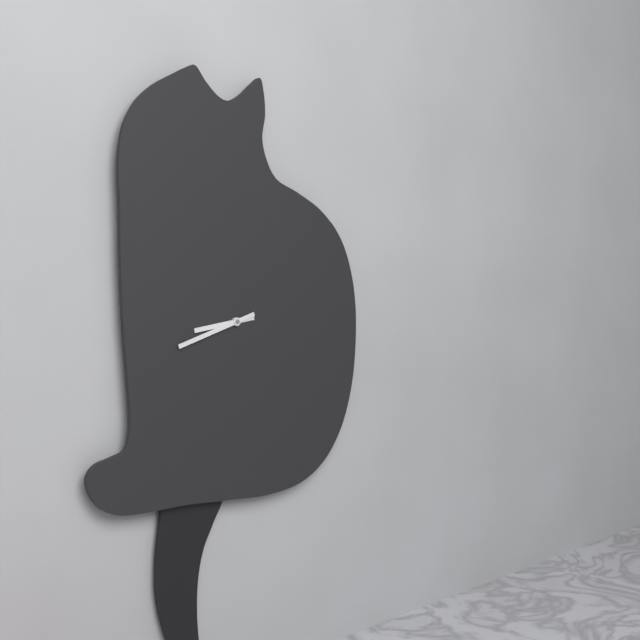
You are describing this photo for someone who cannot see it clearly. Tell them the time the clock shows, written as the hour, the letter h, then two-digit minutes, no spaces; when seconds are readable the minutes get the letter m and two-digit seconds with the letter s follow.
8h42
